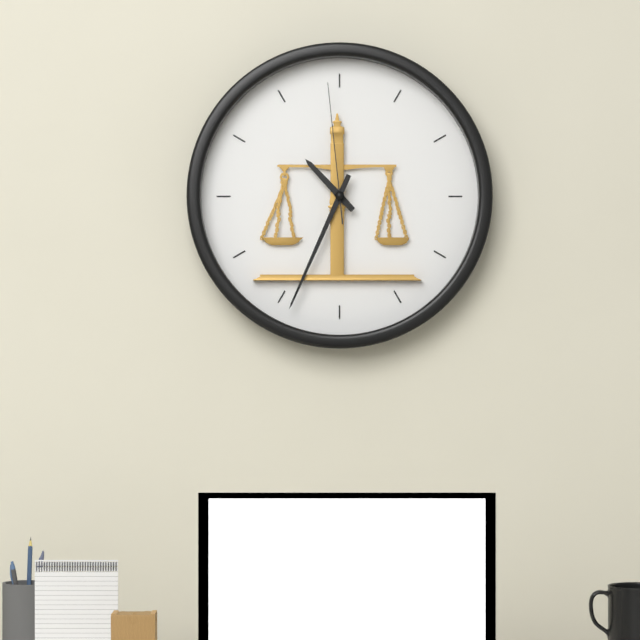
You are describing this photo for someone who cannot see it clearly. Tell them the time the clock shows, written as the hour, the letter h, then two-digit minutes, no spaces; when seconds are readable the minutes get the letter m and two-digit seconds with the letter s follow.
10h34m59s
